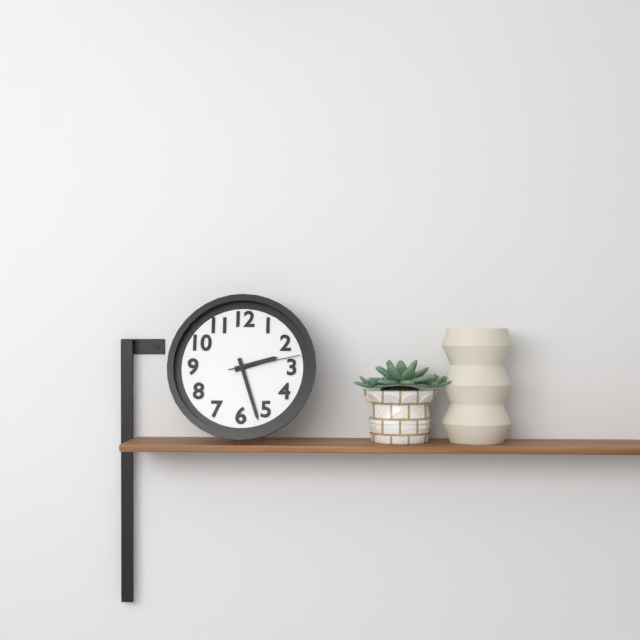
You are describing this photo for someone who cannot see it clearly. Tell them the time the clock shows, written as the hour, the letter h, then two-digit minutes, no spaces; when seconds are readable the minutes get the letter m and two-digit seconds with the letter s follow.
2h27m13s
